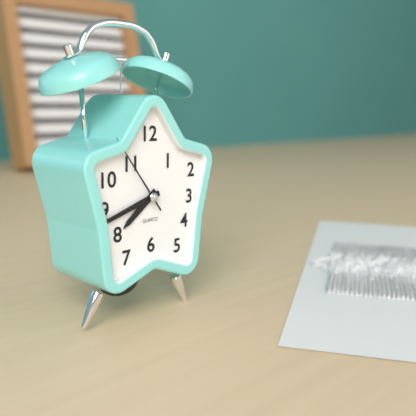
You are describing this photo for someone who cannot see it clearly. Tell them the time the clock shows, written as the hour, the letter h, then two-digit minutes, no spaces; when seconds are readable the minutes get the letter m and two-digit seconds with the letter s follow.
7h42m54s
